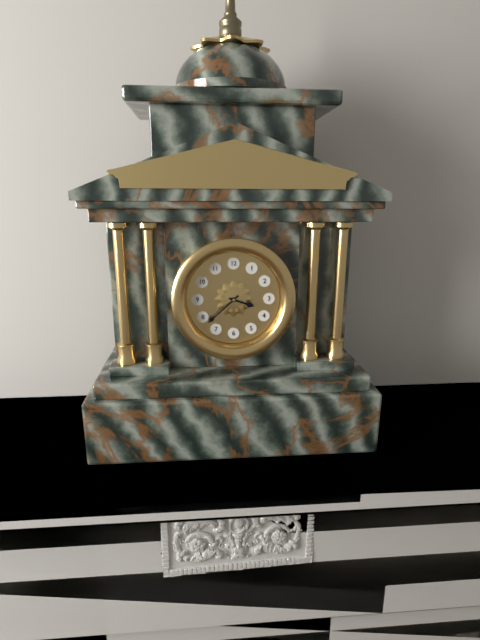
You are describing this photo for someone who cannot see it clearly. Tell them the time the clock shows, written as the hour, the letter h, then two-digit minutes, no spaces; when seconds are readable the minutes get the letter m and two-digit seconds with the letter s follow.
3h38
